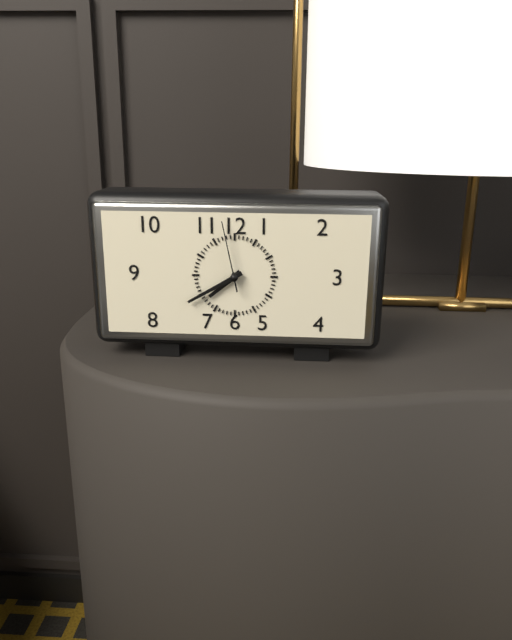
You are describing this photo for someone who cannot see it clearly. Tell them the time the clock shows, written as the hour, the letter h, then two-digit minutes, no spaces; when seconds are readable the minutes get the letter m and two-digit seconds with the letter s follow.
7h40m58s
